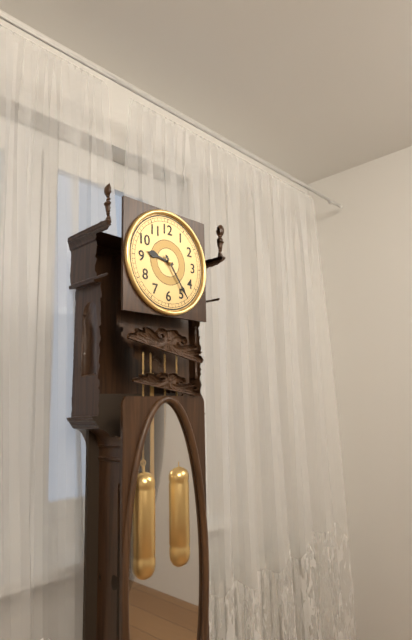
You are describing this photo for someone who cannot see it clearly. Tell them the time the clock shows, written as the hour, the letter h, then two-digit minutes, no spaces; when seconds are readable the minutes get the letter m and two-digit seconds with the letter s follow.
9h24
